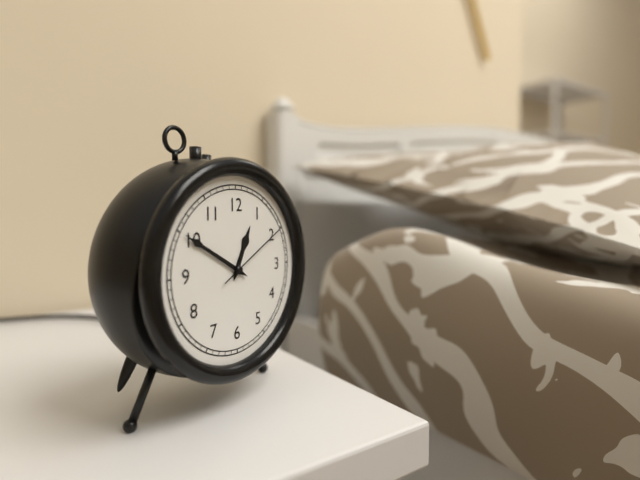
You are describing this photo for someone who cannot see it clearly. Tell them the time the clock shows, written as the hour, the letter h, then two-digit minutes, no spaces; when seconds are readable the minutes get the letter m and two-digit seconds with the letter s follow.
12h50m10s
